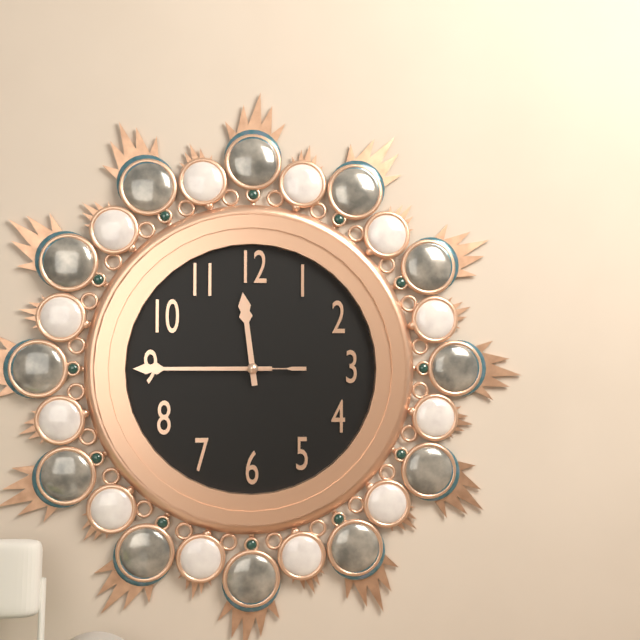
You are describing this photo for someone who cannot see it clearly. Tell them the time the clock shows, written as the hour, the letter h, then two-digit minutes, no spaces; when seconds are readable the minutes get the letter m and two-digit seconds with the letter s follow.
11h45m45s
